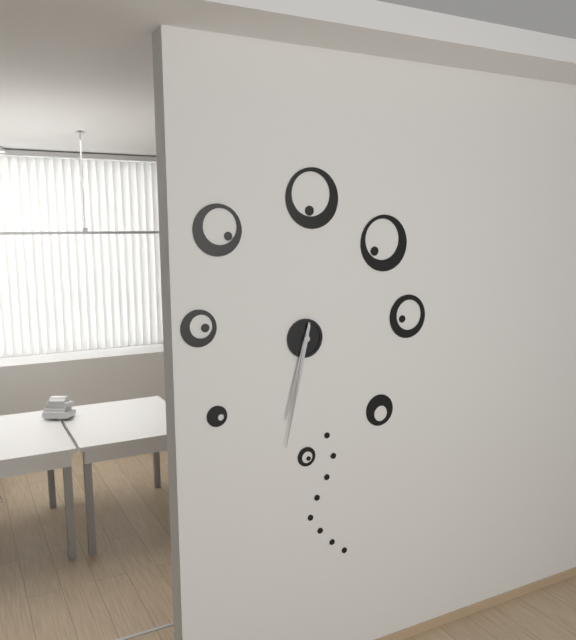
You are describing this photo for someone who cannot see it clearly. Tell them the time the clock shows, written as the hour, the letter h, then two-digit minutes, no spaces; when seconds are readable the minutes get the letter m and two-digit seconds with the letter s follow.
6h32
